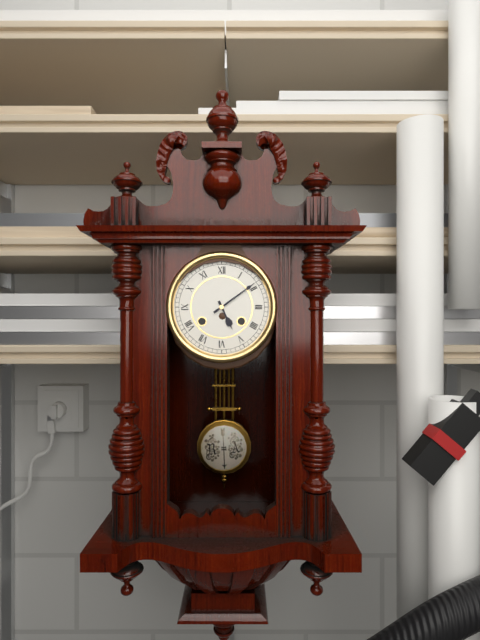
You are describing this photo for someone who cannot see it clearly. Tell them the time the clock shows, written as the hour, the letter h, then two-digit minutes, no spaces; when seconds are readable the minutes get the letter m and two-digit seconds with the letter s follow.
5h09
